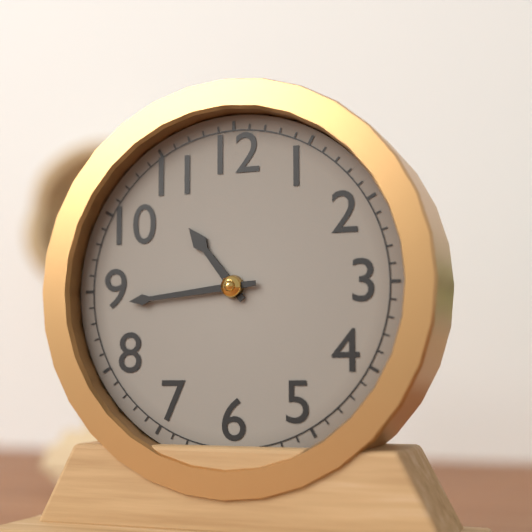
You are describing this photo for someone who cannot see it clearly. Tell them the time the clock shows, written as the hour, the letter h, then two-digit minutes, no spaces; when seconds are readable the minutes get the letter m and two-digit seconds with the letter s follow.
10h44
